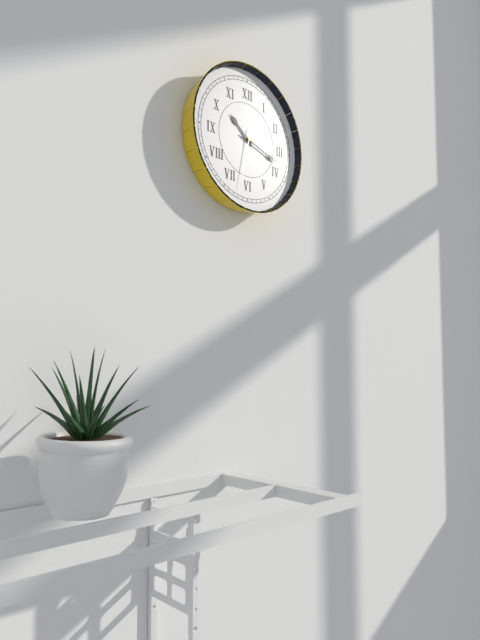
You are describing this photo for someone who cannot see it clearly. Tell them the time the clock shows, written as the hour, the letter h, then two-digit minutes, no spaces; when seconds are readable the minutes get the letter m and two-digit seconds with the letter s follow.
10h18m32s
